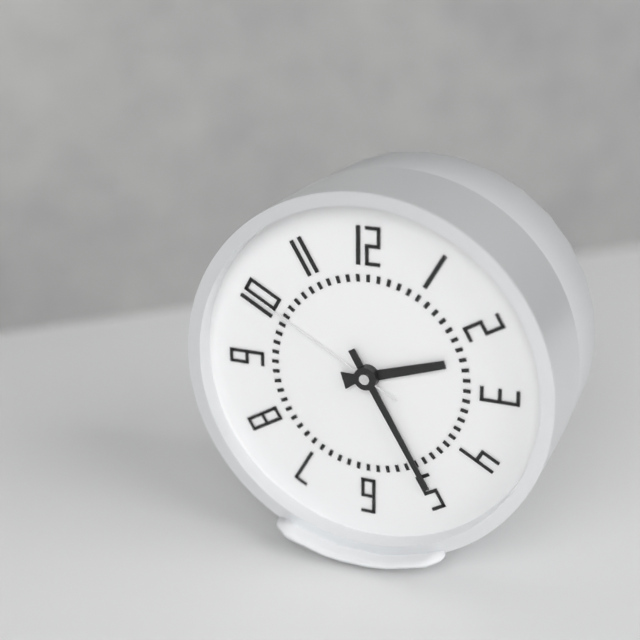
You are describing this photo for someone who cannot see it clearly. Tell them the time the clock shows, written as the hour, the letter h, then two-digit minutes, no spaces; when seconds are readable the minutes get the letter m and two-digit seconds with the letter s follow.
2h25m50s
